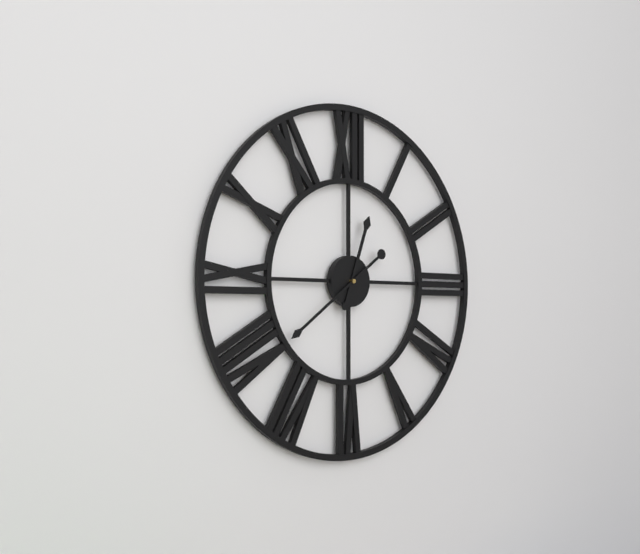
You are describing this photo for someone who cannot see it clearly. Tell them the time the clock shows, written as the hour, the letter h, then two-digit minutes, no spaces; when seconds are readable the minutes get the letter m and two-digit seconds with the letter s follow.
12h39
